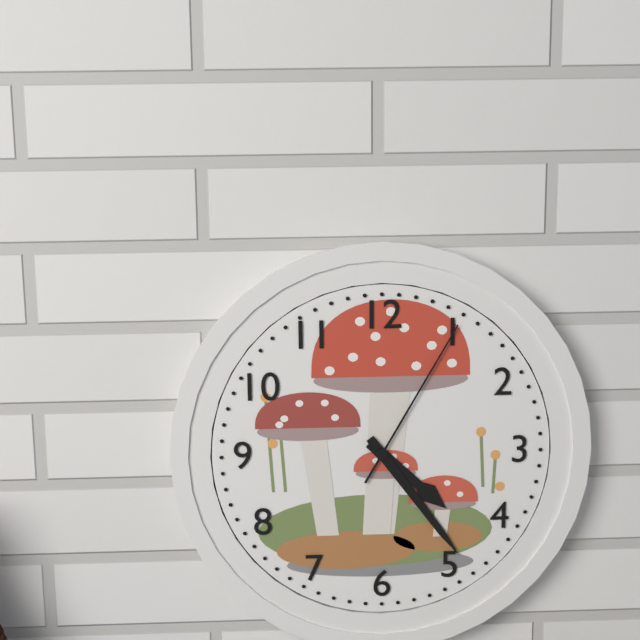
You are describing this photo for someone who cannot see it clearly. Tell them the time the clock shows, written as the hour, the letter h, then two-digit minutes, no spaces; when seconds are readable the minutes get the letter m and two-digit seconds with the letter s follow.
4h24m05s
